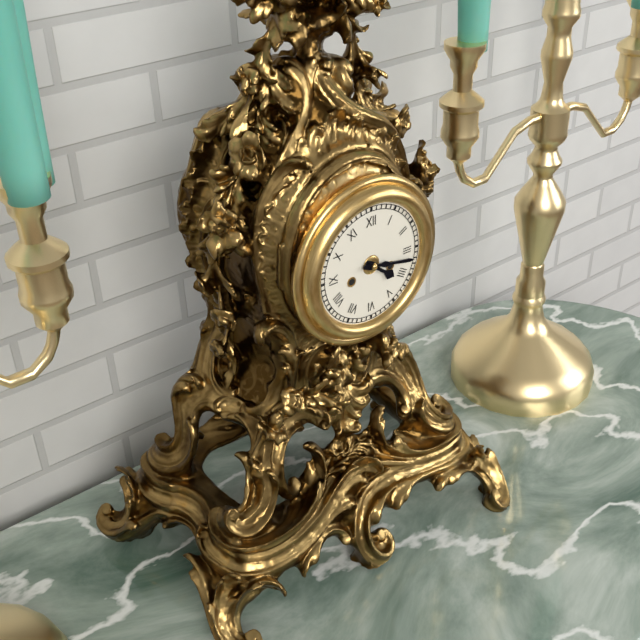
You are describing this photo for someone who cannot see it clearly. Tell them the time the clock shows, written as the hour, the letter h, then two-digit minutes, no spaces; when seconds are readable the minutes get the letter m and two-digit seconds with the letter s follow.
4h17
